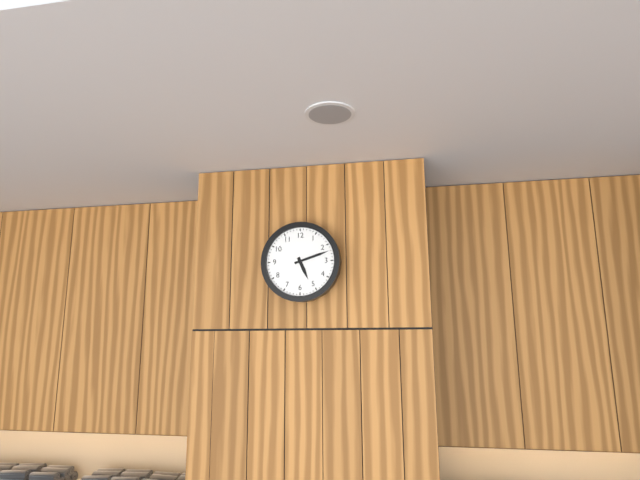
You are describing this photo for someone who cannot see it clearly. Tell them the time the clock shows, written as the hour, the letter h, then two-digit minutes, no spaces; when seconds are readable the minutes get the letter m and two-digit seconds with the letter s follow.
5h12
